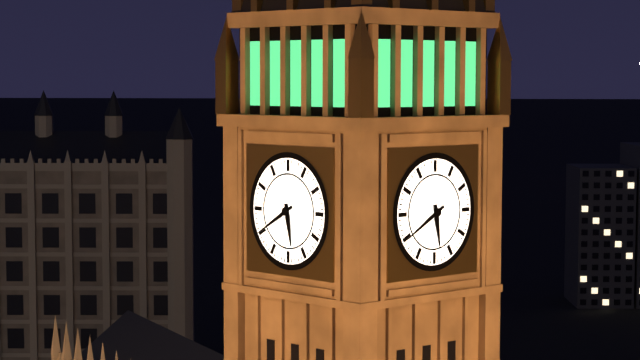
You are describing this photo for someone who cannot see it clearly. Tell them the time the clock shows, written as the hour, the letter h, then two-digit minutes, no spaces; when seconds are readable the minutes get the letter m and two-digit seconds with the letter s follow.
5h40
